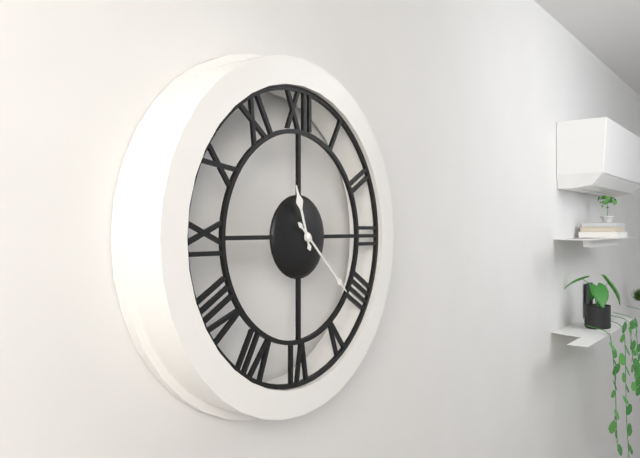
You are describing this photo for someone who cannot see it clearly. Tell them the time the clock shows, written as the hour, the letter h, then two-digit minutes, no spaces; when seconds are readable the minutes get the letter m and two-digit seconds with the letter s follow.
11h22
